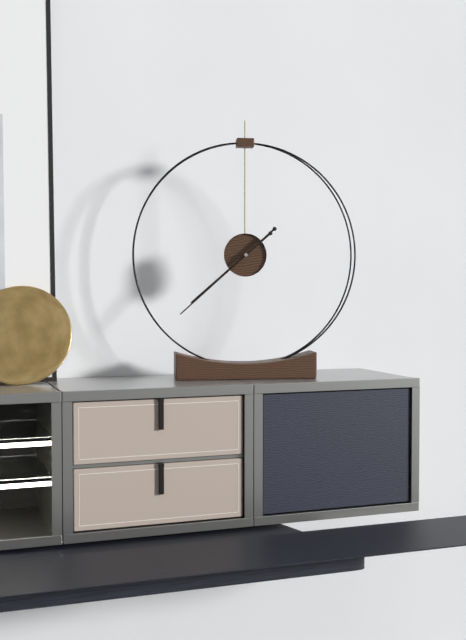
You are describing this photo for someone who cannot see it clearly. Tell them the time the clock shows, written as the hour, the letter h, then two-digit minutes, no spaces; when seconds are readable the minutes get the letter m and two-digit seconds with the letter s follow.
7h38
